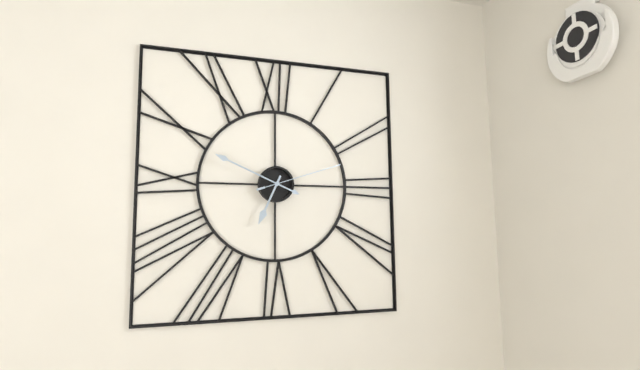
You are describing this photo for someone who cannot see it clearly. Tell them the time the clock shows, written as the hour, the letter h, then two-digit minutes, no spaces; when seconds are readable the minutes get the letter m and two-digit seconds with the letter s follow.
6h49m12s
